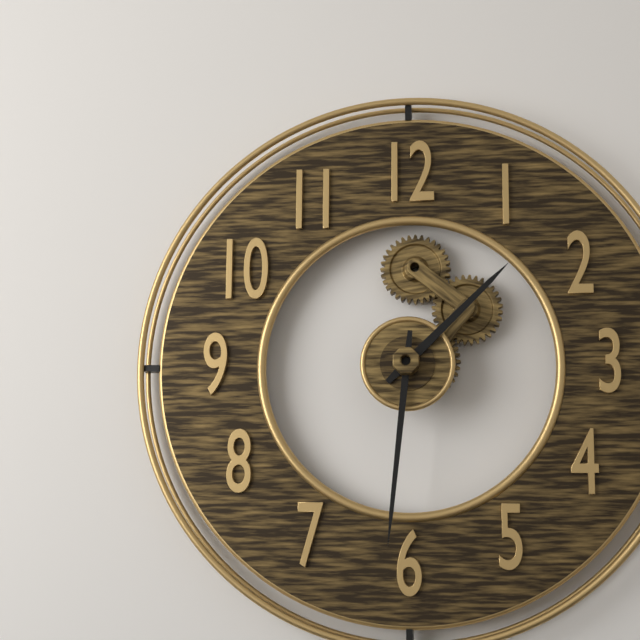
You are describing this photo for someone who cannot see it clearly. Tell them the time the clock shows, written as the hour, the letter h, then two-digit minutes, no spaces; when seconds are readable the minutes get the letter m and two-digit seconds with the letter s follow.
1h31
